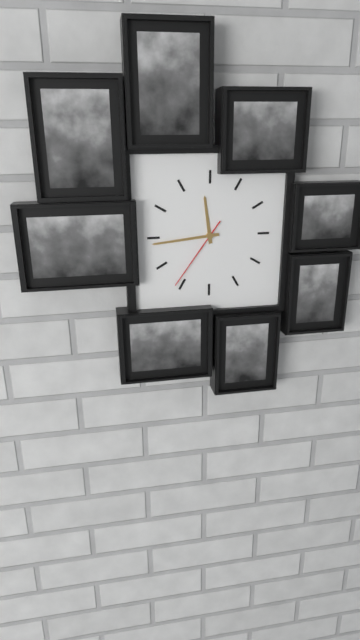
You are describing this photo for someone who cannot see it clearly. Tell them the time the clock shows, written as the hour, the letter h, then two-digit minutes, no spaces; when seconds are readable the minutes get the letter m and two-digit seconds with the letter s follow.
11h44m36s
